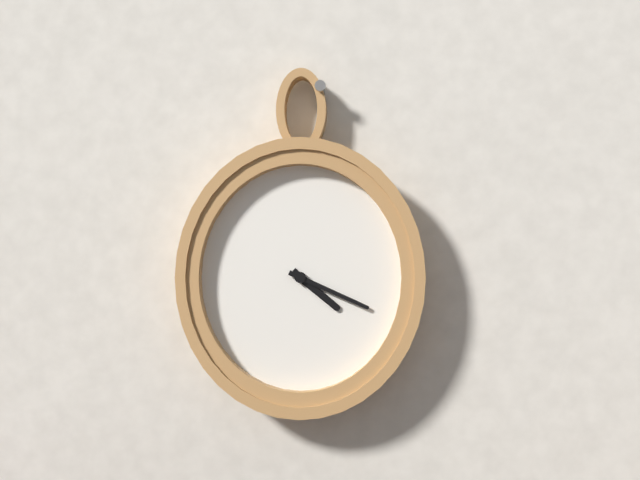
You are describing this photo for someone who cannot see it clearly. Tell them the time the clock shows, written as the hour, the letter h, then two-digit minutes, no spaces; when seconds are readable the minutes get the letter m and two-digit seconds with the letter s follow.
4h19
